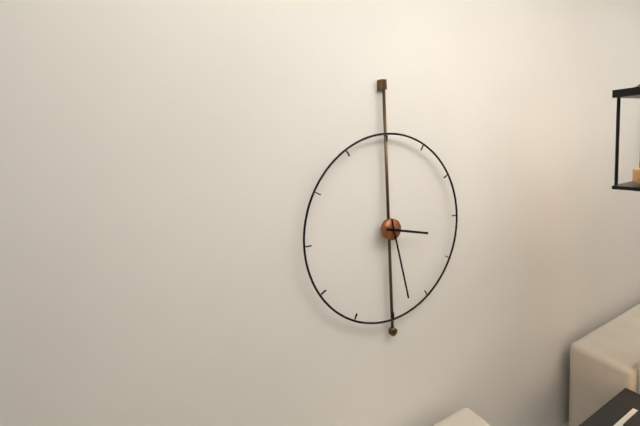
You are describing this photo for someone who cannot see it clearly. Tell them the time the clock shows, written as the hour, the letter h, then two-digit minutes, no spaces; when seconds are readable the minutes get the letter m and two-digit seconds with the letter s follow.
3h28
